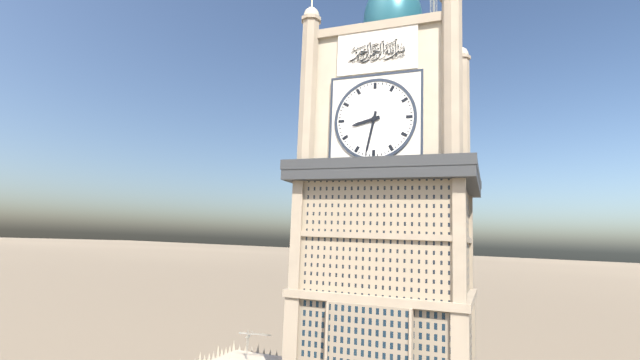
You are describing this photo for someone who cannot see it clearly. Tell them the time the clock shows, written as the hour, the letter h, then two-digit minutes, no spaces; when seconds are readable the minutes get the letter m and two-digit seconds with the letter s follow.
8h32
